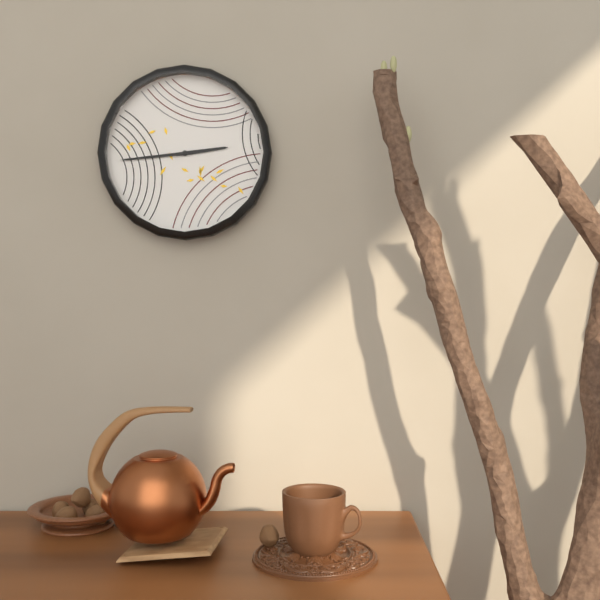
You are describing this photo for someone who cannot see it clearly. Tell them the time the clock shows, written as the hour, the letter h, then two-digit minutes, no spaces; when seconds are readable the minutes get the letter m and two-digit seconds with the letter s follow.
2h44
